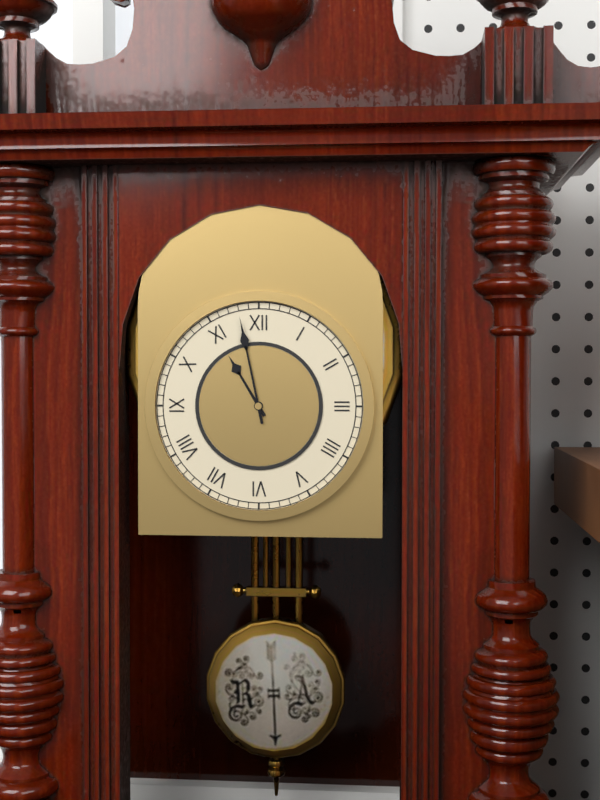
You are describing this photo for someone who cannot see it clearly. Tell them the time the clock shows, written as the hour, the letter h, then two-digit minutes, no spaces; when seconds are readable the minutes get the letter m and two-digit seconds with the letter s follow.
10h58
